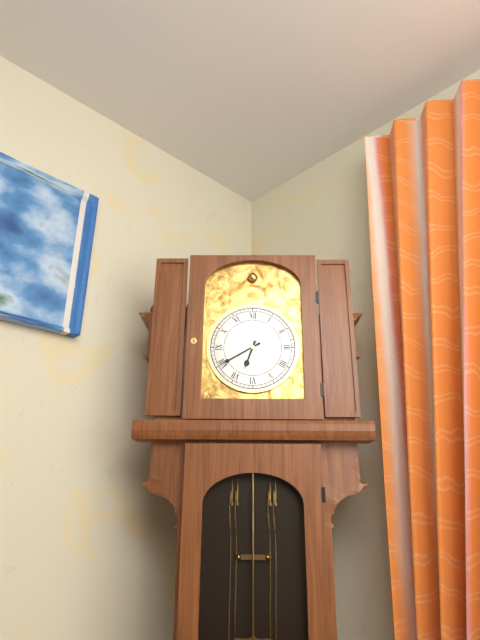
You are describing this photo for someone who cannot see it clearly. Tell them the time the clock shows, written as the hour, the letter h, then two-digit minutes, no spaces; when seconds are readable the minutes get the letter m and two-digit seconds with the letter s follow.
6h40
